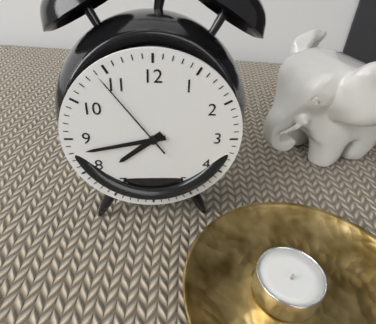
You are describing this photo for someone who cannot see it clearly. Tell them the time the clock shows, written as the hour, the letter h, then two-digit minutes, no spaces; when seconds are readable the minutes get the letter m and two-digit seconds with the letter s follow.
7h43m54s
